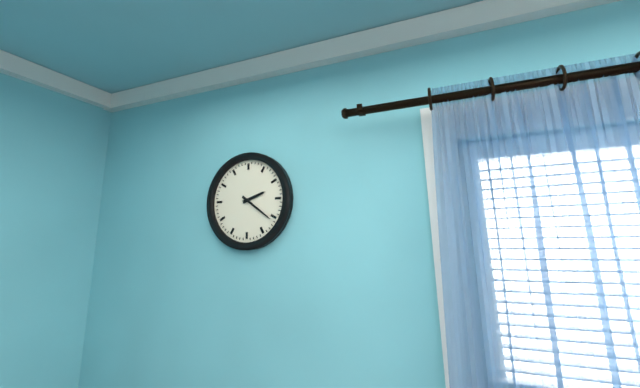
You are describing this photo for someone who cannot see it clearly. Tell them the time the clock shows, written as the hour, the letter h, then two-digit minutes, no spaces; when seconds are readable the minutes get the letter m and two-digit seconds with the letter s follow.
2h21
